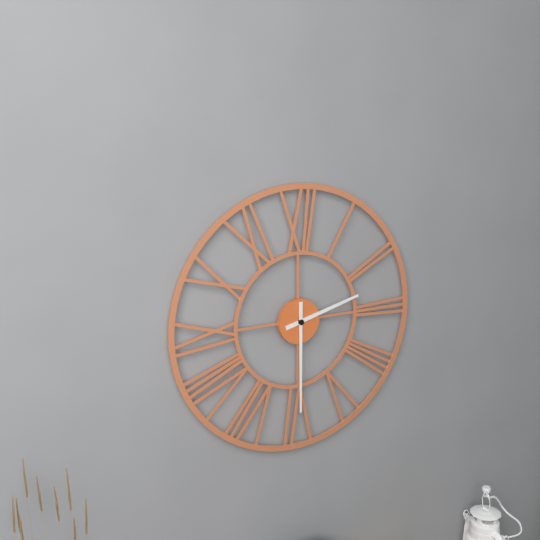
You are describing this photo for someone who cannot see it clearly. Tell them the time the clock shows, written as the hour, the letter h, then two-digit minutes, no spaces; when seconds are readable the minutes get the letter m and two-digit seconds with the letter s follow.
2h30
